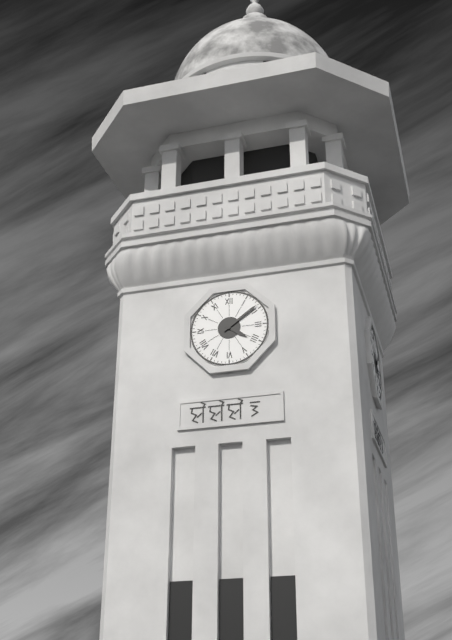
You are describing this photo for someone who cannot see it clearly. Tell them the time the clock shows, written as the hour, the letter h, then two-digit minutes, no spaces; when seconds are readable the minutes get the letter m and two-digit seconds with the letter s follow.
4h09
